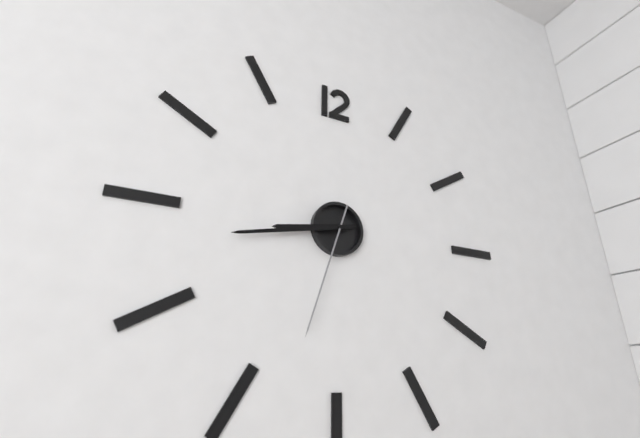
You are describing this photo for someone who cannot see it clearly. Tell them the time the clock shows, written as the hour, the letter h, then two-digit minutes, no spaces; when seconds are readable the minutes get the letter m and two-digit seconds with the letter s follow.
8h43m33s
